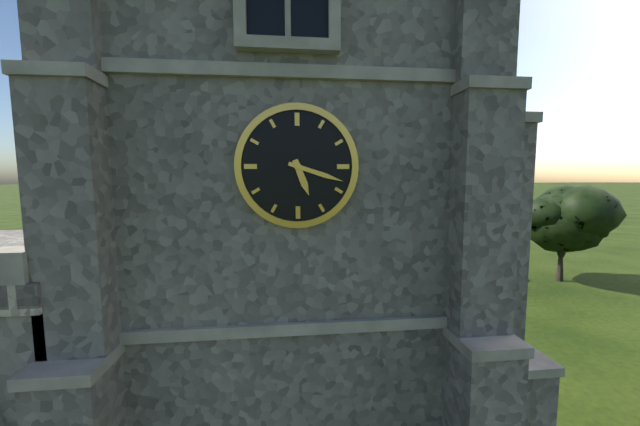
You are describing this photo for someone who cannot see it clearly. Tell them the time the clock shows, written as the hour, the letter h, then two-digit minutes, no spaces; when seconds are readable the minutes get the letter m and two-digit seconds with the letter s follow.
5h18
